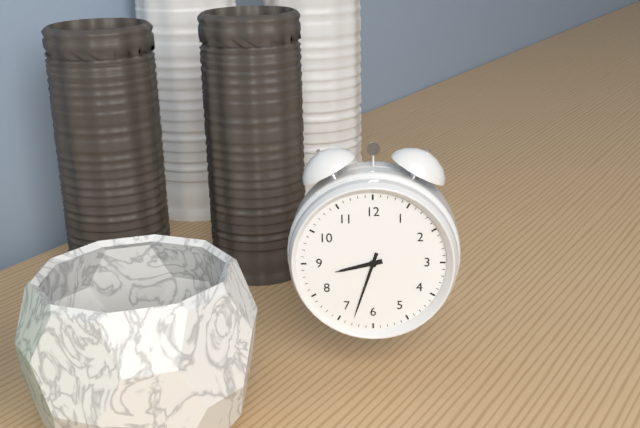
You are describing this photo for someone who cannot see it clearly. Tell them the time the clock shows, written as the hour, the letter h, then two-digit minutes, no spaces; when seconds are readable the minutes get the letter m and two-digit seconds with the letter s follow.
8h33
